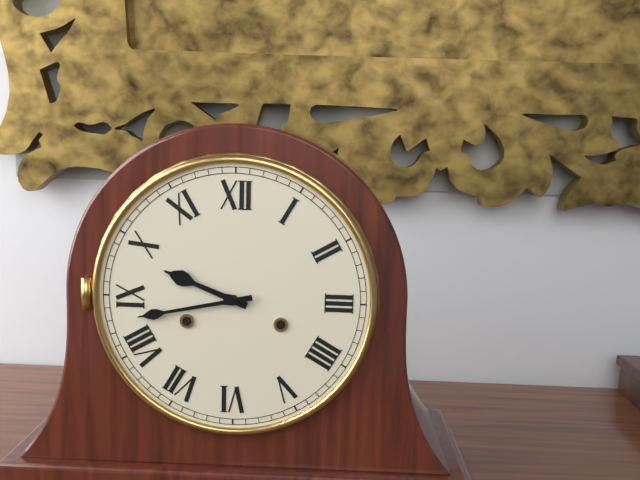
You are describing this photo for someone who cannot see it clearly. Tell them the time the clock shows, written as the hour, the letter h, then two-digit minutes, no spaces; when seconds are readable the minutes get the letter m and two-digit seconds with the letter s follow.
9h43
